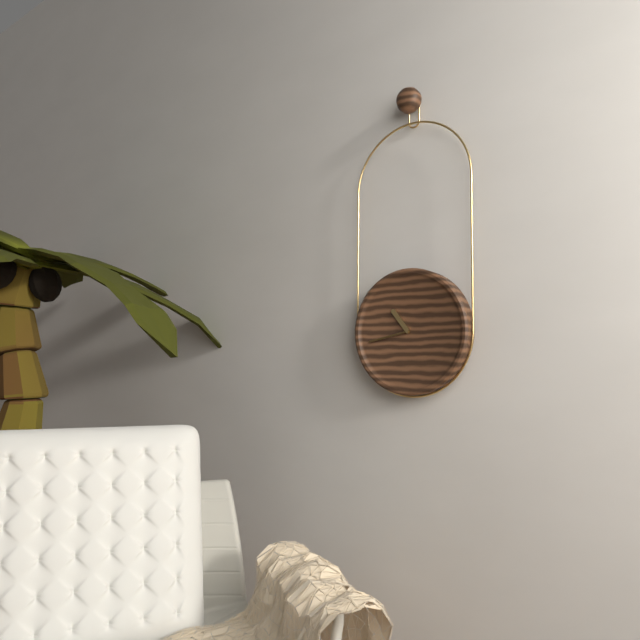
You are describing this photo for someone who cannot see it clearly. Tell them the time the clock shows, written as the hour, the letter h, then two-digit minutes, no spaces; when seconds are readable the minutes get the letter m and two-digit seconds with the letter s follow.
10h43
